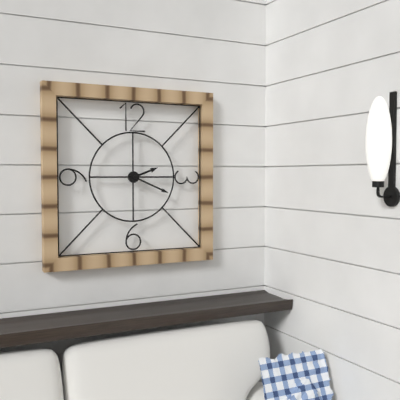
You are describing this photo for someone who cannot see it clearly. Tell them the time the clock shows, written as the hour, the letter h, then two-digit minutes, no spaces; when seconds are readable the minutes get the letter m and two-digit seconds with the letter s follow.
2h19
